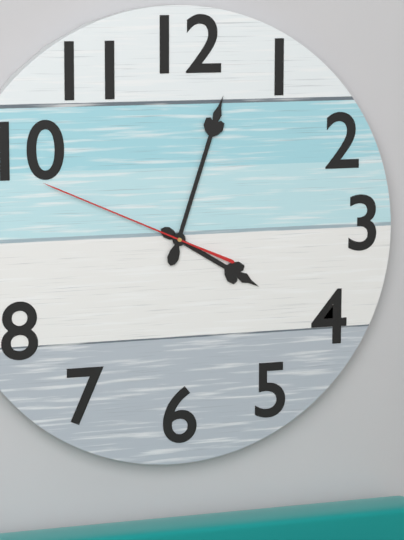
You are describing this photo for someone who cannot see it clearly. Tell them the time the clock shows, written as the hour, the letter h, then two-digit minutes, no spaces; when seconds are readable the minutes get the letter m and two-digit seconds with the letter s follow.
4h03m49s
